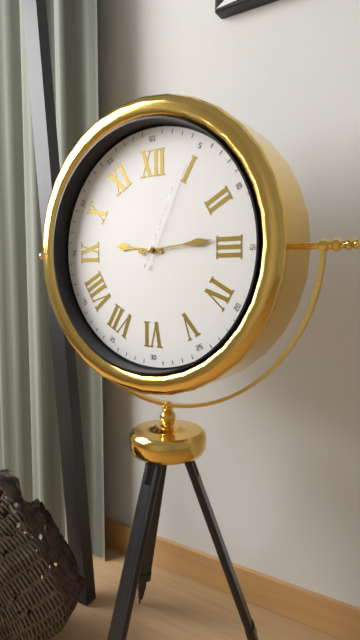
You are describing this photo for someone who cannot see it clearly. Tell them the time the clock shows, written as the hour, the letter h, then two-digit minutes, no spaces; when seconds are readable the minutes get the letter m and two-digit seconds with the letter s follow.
9h14m04s
